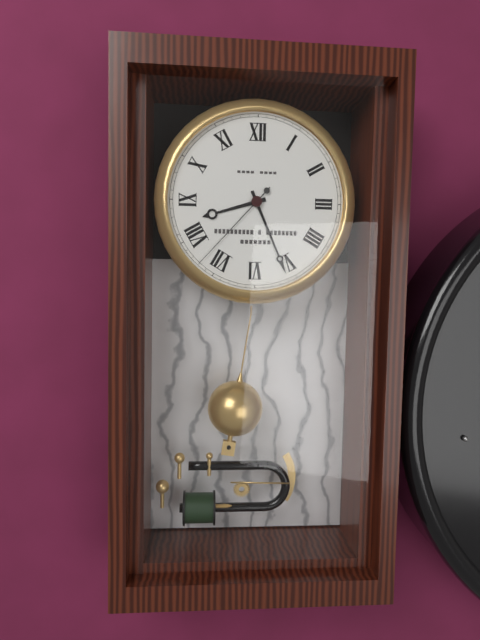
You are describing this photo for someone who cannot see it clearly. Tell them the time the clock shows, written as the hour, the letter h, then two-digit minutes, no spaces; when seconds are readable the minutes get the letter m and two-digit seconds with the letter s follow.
8h26m37s
